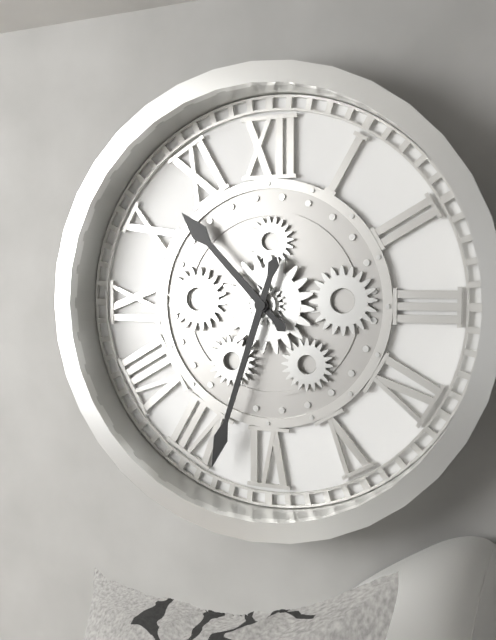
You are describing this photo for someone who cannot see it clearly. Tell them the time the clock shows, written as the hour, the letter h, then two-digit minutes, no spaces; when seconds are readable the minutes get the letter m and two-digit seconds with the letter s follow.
10h33
